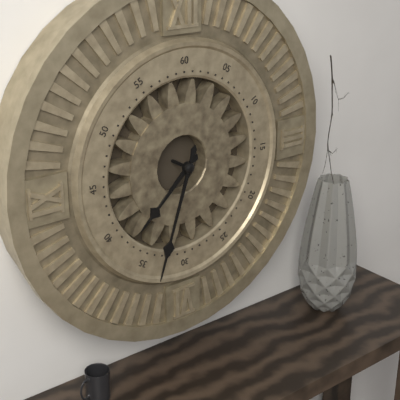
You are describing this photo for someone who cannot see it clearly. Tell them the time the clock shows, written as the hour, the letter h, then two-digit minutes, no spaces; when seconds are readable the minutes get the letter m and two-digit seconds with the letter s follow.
7h33
